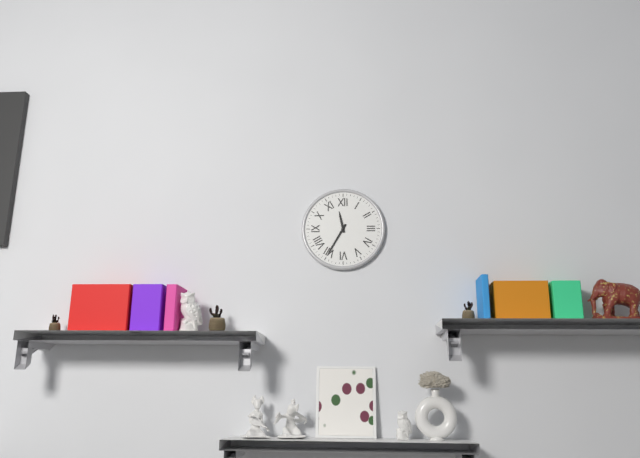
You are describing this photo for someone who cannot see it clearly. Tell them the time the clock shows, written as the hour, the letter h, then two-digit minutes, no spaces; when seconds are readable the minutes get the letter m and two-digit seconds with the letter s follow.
11h35
